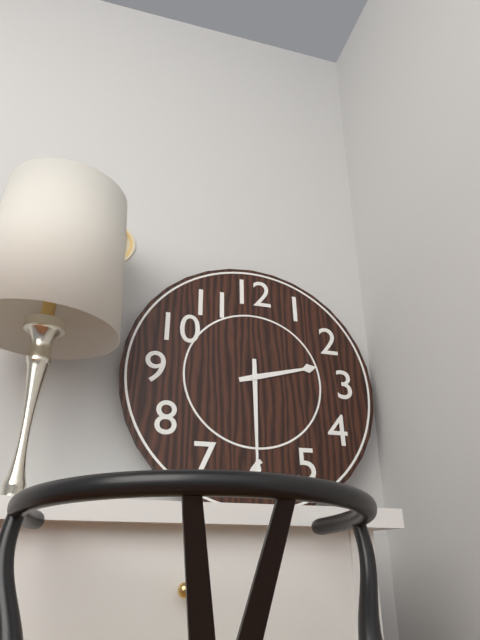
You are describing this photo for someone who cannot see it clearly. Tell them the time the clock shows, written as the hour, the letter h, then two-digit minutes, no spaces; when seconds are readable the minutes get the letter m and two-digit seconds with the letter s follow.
2h30
